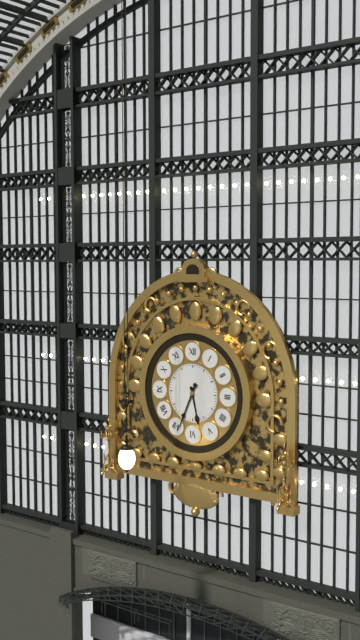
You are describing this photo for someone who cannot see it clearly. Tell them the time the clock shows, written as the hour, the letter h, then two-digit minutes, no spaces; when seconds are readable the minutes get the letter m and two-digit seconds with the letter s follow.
5h34
